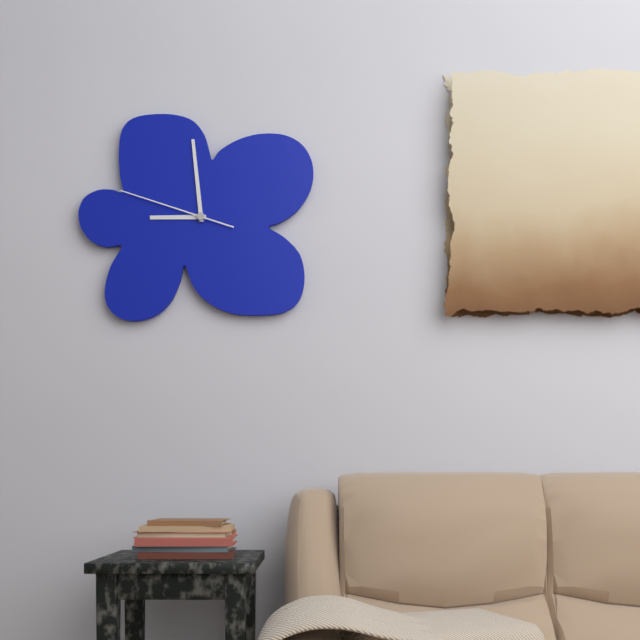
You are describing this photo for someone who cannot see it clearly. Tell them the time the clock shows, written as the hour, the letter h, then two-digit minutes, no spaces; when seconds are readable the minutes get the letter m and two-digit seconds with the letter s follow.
8h59m48s
